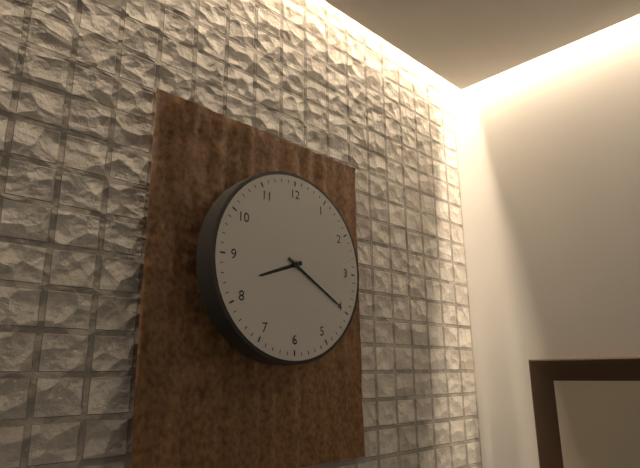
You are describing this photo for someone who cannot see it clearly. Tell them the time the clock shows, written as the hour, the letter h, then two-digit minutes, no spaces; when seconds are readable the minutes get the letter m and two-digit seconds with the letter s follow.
8h20
